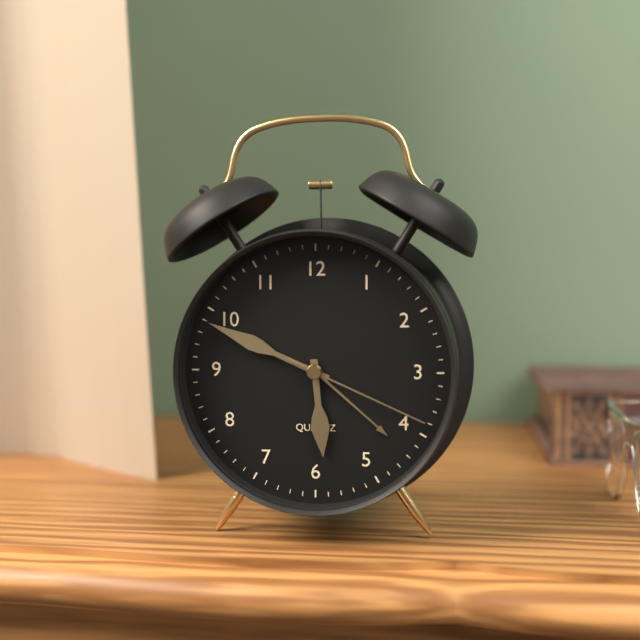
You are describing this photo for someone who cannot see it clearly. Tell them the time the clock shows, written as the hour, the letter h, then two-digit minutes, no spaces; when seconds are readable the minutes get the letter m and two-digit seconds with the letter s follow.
5h49m19s
